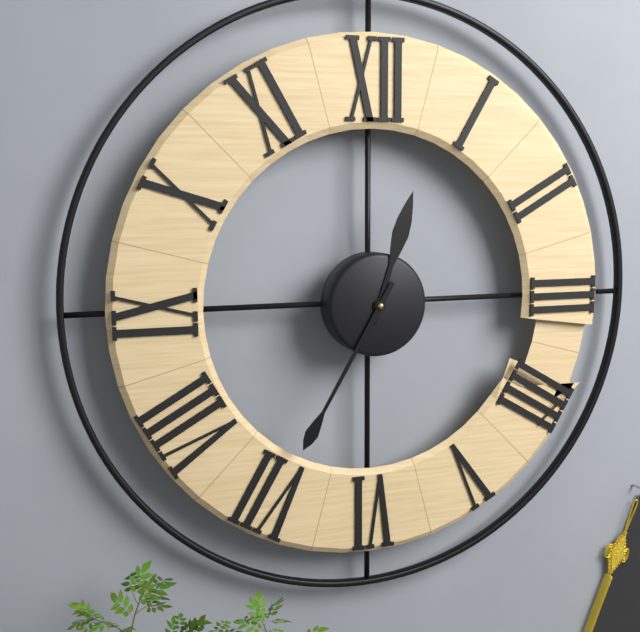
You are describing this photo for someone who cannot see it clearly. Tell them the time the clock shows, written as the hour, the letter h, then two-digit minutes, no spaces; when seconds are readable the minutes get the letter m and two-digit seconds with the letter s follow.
12h35
